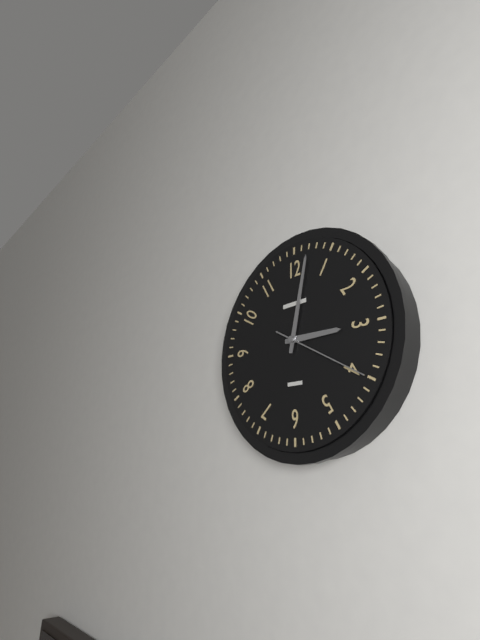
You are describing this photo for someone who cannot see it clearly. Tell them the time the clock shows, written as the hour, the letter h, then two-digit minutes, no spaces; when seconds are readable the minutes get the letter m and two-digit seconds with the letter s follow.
3h02m20s
